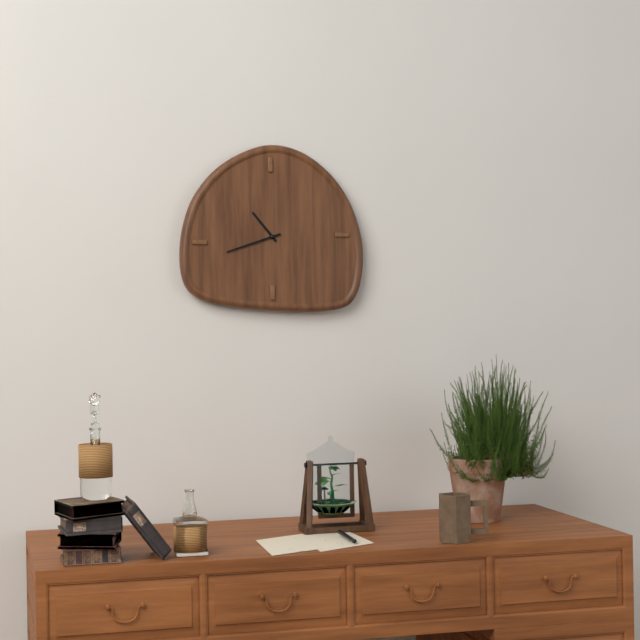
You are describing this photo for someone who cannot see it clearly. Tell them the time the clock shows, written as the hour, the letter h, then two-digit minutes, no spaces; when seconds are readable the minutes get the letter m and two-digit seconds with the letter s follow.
10h42
